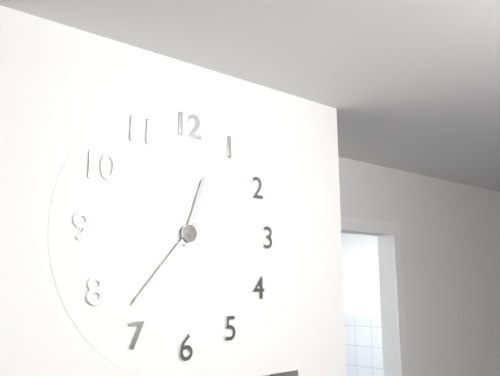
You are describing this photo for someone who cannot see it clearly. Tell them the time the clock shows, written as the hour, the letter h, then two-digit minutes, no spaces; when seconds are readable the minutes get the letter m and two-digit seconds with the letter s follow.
12h37
